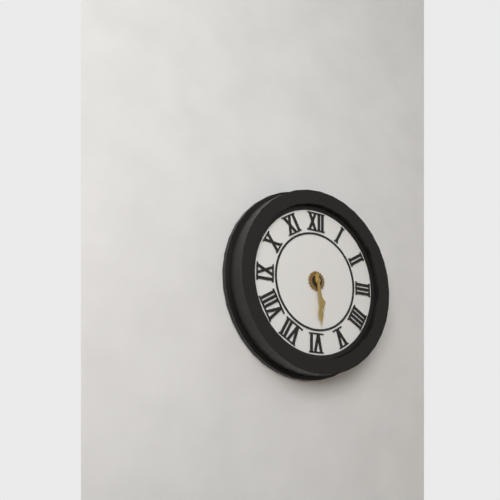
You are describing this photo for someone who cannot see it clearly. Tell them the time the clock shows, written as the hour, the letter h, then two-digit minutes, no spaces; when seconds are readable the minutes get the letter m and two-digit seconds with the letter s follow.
5h29
